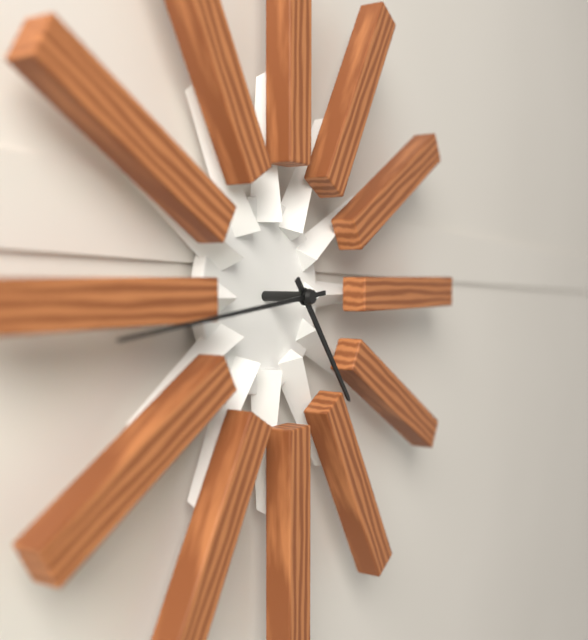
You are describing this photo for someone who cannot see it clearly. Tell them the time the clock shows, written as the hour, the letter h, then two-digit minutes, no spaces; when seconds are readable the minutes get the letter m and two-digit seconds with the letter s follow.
4h44
